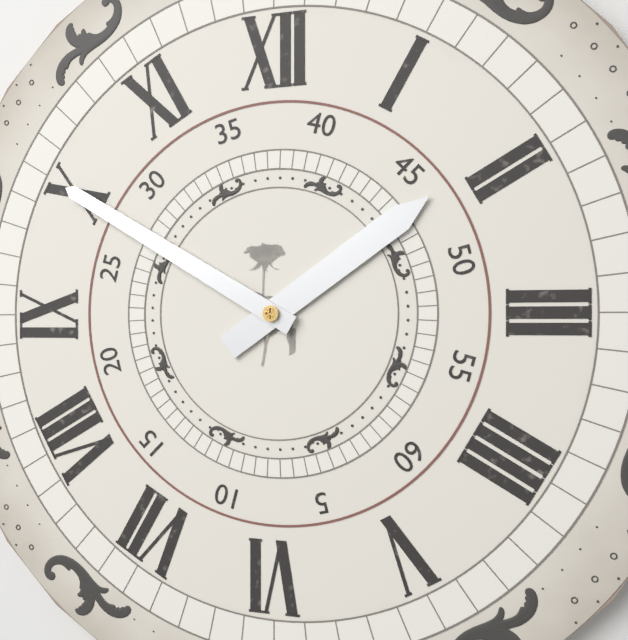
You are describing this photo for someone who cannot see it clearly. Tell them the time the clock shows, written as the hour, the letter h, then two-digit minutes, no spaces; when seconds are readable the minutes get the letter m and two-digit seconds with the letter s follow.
1h50
